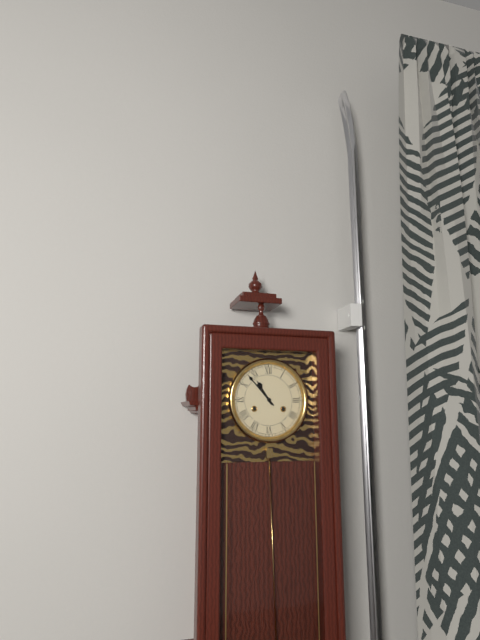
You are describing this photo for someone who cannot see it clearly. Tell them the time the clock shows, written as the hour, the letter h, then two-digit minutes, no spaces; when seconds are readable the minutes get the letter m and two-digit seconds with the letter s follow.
10h53
